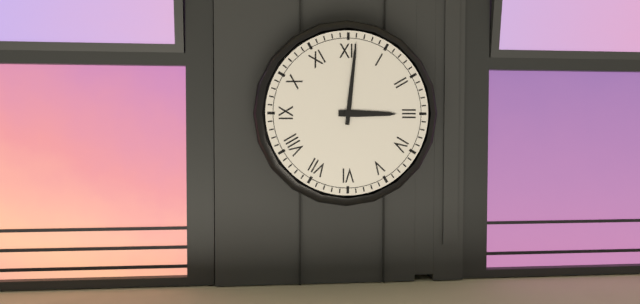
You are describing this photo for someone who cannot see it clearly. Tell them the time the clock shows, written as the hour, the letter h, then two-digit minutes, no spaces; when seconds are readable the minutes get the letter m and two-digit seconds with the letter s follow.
3h01
